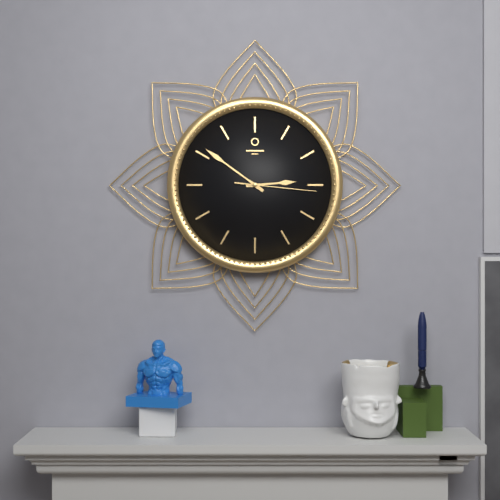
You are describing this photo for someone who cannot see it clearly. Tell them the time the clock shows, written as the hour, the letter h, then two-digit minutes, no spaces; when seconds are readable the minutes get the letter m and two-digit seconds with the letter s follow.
2h51m16s
